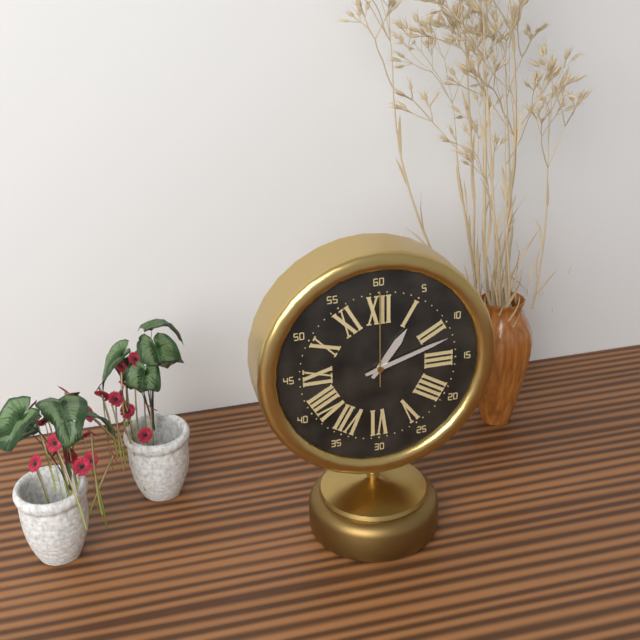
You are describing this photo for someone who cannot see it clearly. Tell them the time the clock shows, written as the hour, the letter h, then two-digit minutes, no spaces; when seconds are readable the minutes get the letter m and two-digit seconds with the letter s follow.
1h12m00s
